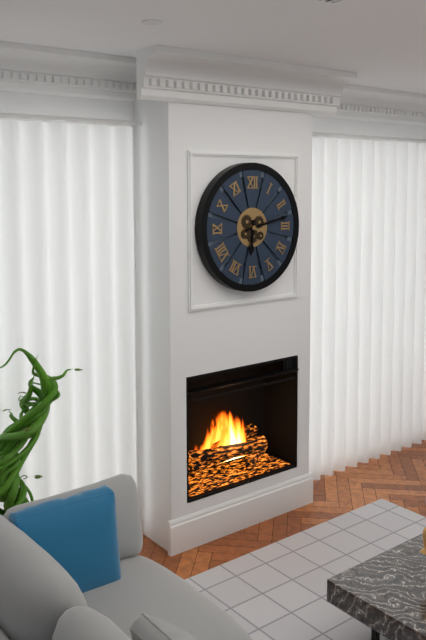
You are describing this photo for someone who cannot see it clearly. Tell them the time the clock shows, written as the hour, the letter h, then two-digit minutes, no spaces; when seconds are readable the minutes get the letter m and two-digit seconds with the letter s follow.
6h13
